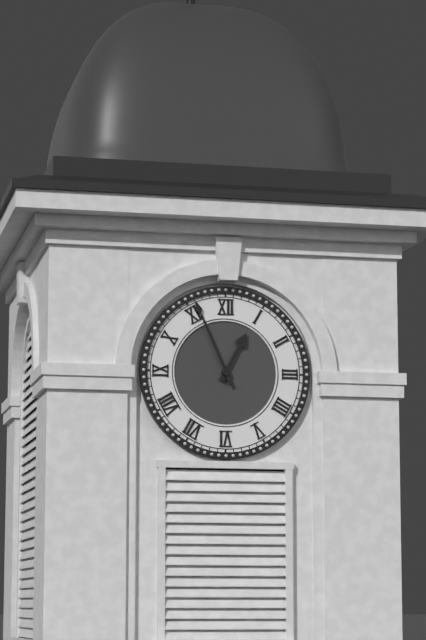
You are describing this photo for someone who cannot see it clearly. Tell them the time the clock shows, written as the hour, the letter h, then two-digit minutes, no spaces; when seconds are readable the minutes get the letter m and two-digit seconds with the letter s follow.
12h56
